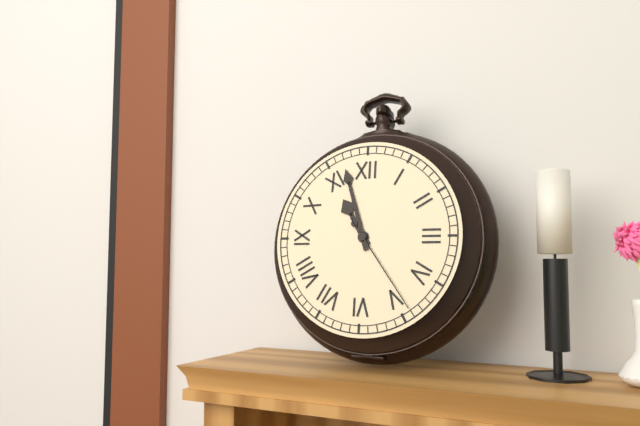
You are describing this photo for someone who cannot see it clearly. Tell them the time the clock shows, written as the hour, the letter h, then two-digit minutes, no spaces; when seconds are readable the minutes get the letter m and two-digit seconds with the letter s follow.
10h57m24s
